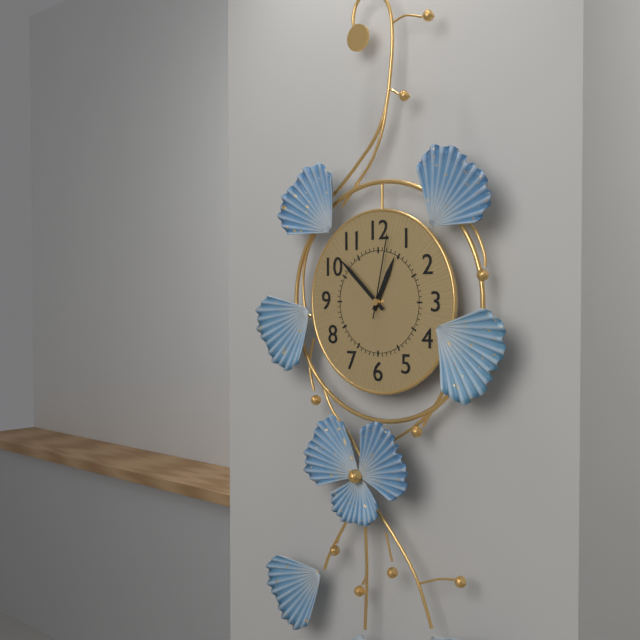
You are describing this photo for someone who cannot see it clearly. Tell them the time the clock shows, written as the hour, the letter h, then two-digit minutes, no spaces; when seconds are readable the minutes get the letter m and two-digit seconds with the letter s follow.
12h52m02s
